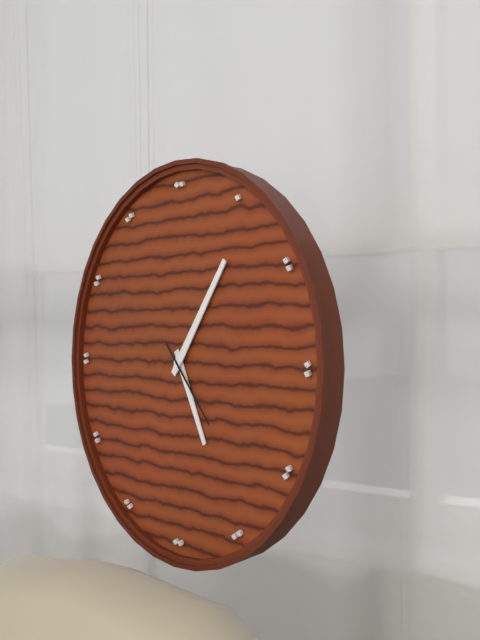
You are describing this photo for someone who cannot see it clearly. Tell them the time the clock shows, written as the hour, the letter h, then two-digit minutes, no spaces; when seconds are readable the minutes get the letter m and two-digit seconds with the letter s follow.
5h06m23s
